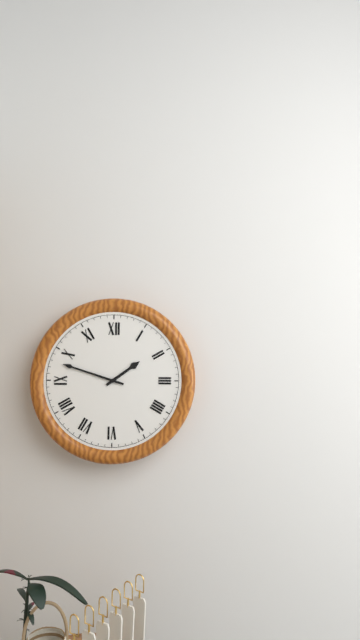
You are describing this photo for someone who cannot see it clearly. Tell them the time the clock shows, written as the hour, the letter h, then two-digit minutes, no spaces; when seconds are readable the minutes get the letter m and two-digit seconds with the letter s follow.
1h48
